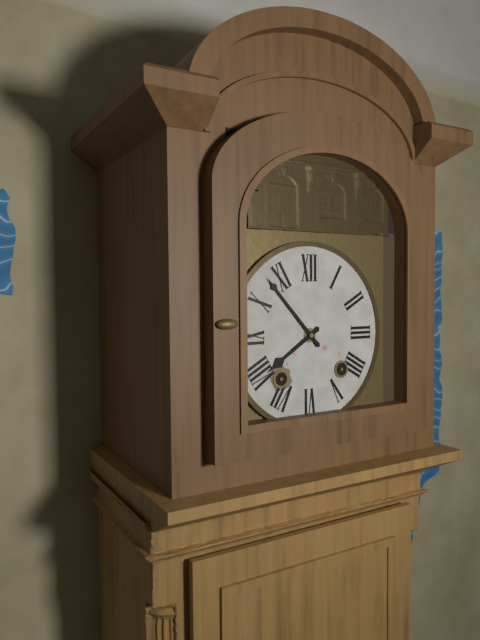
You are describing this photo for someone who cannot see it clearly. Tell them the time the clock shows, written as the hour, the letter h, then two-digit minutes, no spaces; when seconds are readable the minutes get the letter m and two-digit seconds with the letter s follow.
7h53
